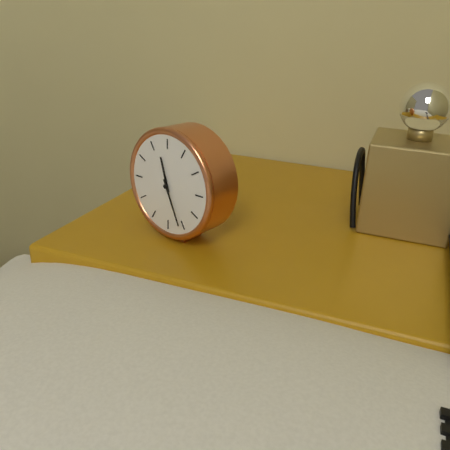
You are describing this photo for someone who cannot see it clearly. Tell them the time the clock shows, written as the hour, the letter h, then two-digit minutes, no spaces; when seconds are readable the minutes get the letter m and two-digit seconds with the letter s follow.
11h26
